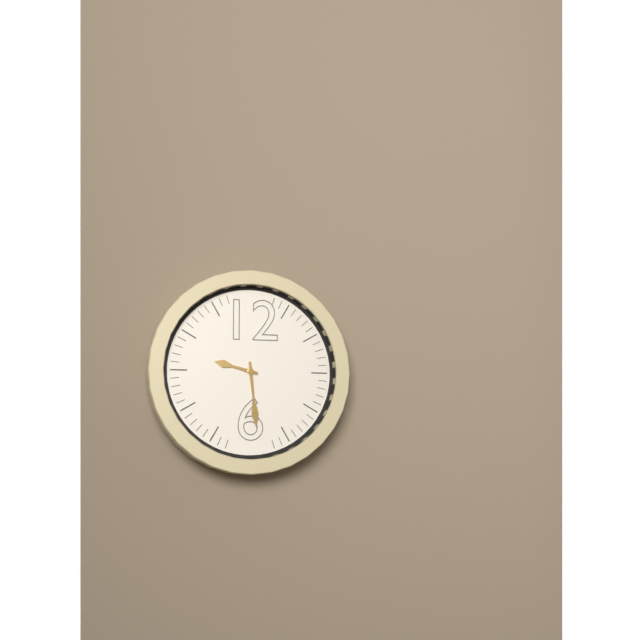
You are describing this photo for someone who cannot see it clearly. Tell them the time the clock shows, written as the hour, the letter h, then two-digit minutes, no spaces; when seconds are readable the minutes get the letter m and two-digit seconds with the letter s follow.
9h29
